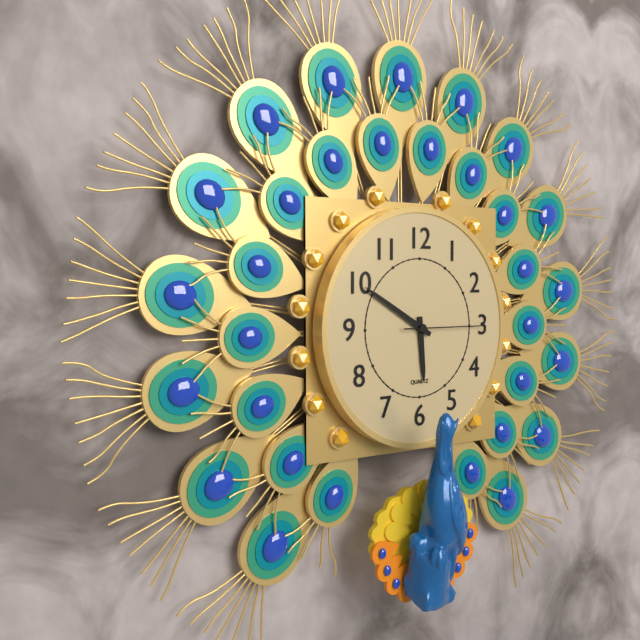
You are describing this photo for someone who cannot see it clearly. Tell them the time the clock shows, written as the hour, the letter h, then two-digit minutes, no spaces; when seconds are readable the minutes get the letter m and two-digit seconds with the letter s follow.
5h50m15s
